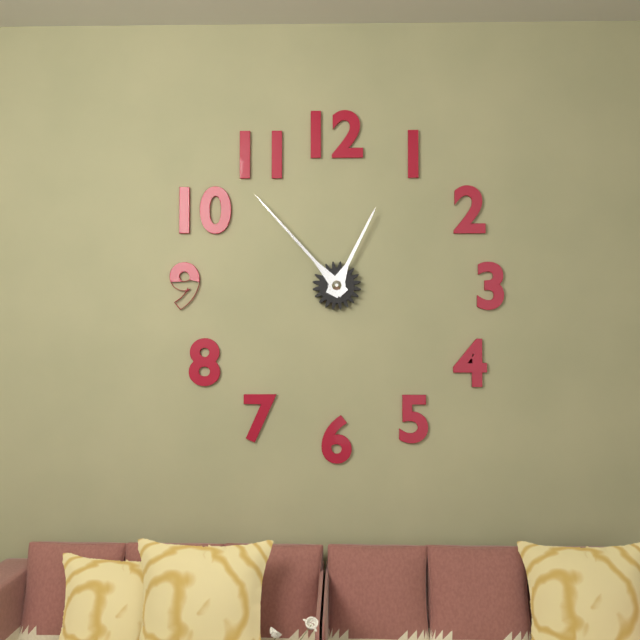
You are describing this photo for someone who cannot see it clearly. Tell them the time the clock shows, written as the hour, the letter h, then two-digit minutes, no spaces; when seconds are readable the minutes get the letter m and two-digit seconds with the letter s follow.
12h53
